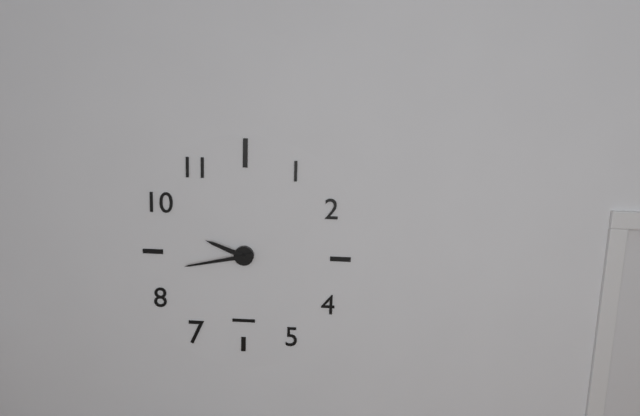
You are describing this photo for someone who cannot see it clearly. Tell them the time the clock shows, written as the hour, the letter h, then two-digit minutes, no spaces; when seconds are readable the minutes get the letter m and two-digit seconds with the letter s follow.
9h43
